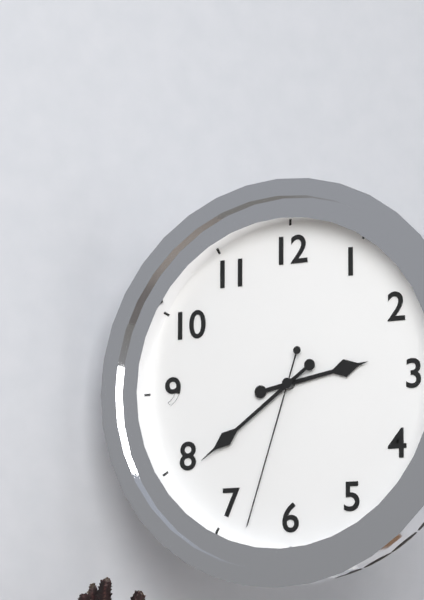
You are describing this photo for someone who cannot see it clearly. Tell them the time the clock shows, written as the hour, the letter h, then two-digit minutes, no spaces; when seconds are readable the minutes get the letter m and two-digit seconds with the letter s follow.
2h39m33s
